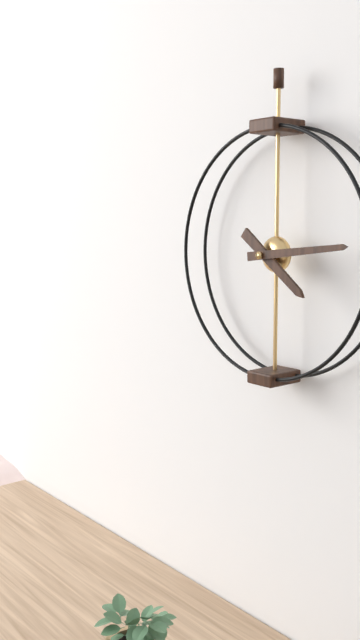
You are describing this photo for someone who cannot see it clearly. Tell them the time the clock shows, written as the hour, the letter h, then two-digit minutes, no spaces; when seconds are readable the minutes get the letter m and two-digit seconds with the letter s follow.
4h14
